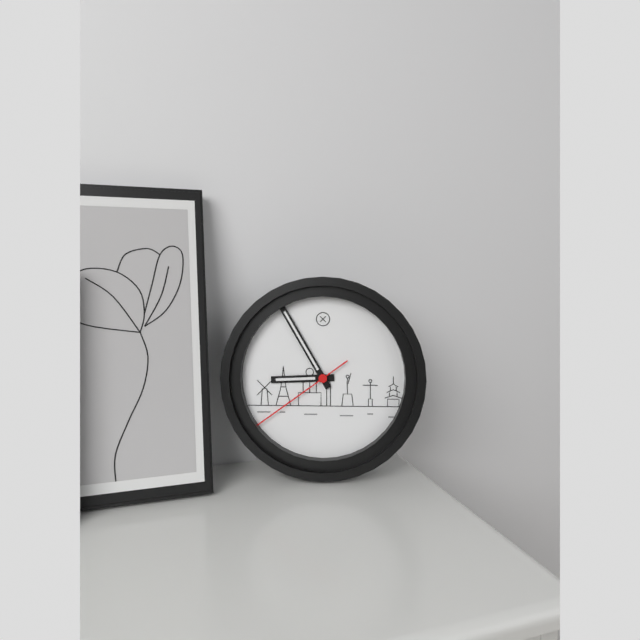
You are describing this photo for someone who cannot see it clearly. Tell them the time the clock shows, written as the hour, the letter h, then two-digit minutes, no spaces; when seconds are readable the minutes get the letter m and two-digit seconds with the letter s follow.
8h55m39s
